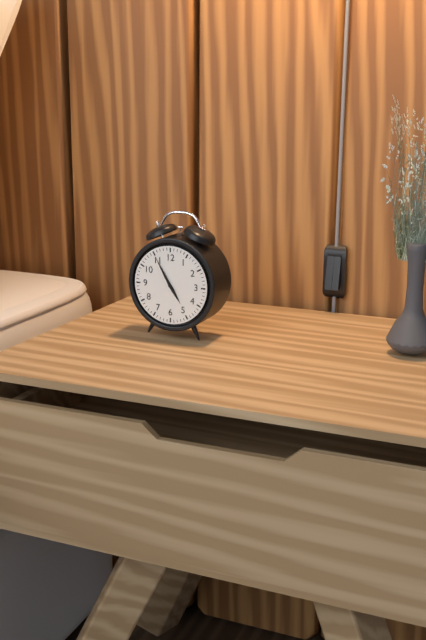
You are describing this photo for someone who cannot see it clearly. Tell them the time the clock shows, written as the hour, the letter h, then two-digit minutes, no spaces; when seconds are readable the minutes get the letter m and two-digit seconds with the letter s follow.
4h55
